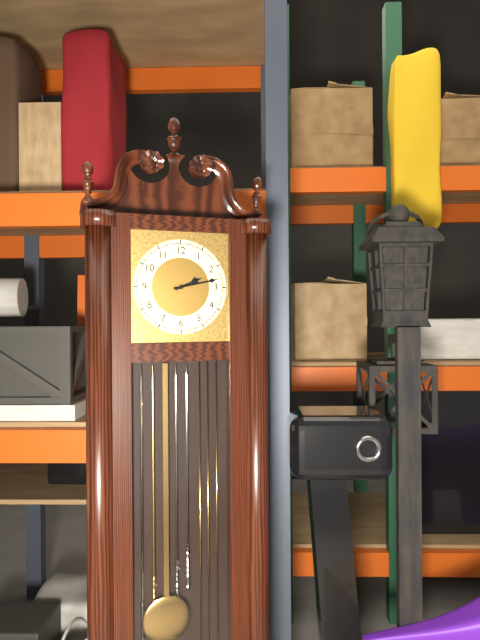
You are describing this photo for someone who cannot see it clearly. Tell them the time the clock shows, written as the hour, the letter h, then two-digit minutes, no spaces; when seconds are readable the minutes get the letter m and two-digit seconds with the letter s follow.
2h13
